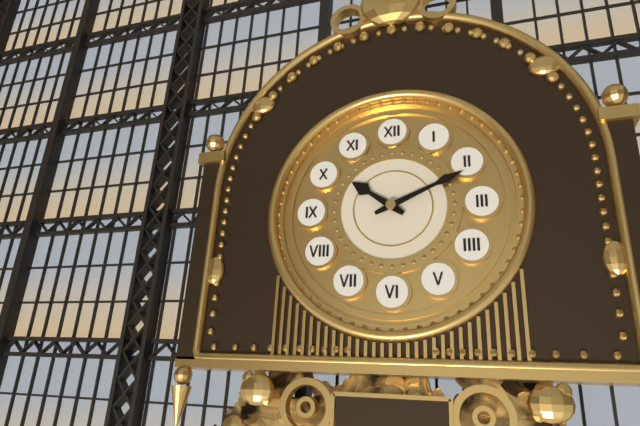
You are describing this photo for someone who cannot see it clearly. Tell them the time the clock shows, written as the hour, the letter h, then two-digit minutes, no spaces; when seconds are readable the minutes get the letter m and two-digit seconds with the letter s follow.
10h11
